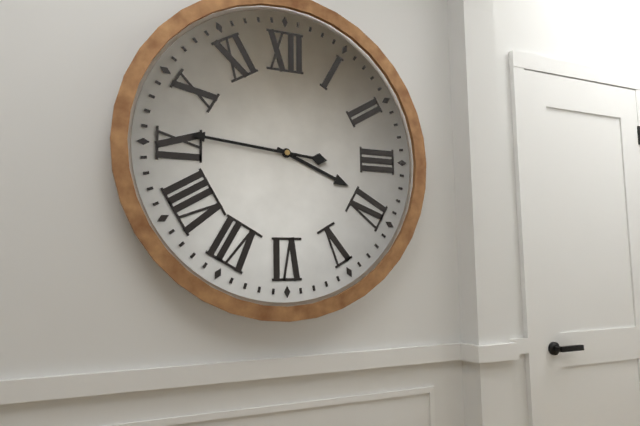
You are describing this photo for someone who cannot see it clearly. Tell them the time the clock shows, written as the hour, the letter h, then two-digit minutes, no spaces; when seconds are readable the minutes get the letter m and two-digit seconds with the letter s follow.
3h46
